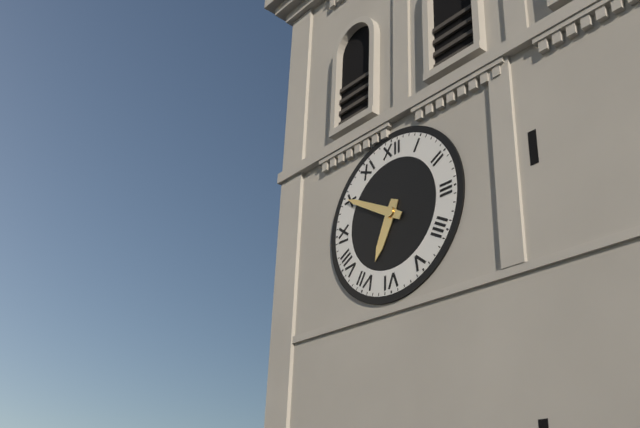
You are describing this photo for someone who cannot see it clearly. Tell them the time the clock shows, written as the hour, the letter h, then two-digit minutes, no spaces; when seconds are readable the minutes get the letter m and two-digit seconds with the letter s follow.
6h50
